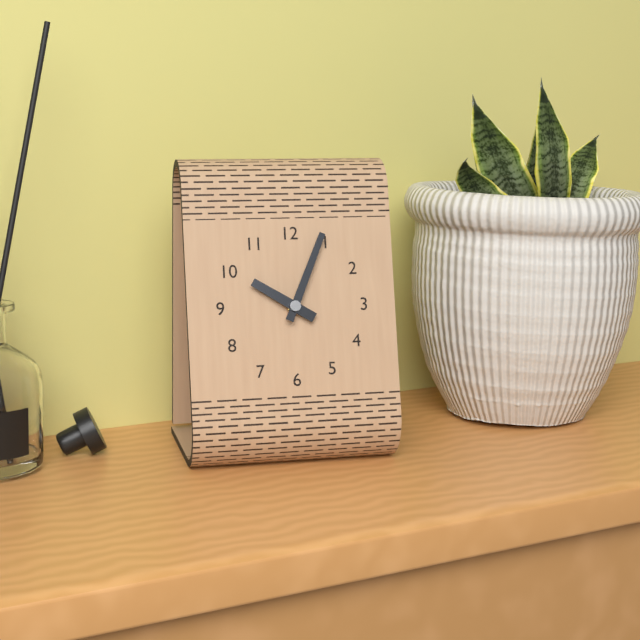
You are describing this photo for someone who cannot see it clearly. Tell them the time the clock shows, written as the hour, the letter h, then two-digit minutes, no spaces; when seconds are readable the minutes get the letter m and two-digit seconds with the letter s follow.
10h04
